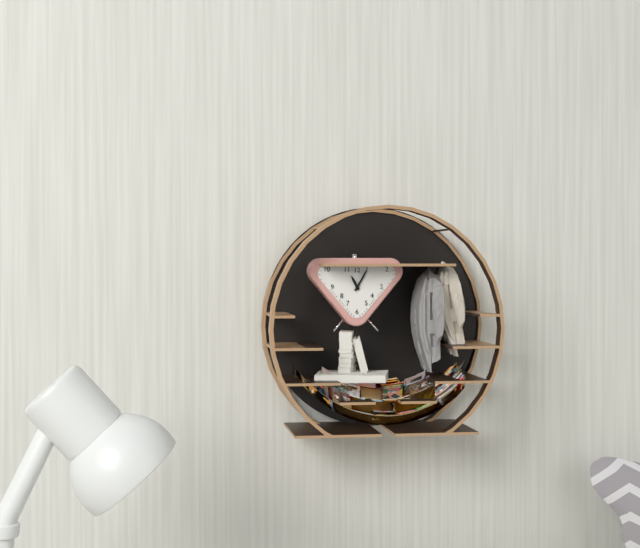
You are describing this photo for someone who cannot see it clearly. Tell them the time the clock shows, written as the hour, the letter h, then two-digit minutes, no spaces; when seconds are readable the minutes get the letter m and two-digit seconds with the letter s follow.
11h05
